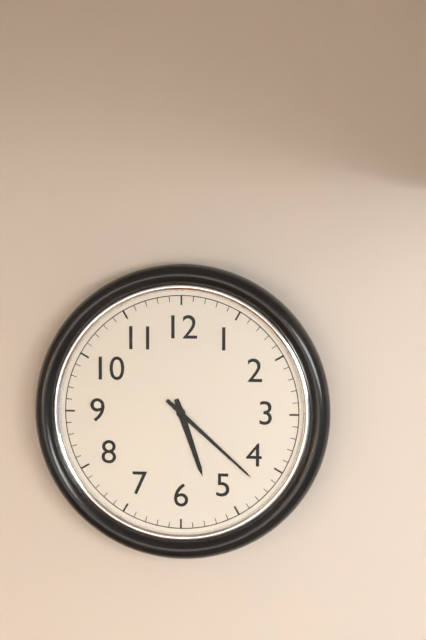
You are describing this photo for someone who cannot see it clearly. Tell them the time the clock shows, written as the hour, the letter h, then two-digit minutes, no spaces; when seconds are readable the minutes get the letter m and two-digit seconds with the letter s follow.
5h22
